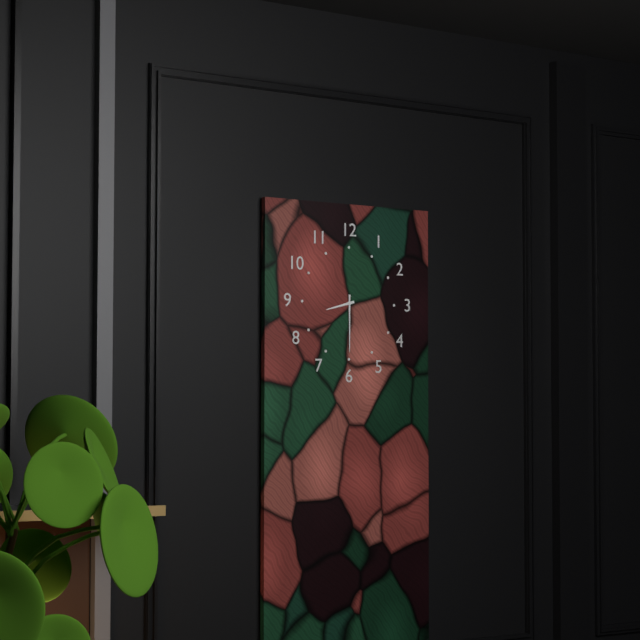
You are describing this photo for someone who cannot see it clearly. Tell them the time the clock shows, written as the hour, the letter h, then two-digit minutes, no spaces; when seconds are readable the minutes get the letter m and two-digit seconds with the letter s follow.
8h30
